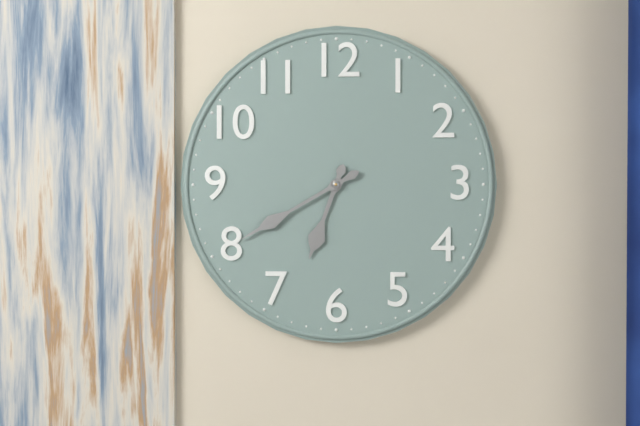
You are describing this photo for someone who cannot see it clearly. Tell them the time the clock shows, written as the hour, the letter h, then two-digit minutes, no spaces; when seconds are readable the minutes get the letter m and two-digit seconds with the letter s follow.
6h40
